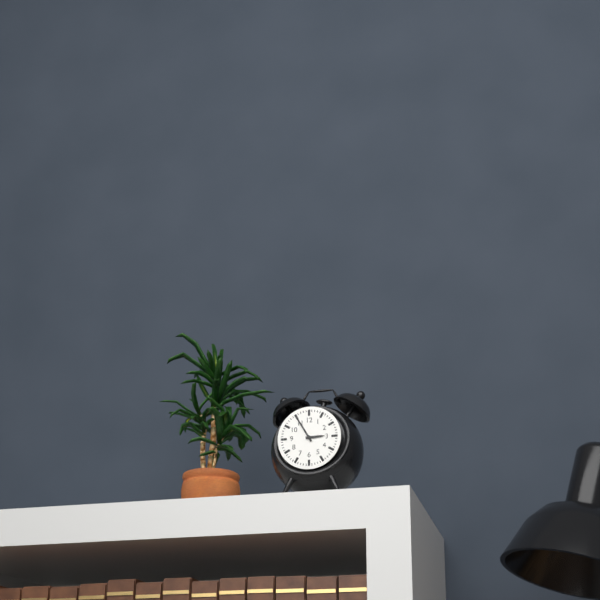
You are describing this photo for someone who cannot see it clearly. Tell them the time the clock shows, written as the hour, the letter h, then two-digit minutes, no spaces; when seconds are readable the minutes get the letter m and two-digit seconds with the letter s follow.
2h55
